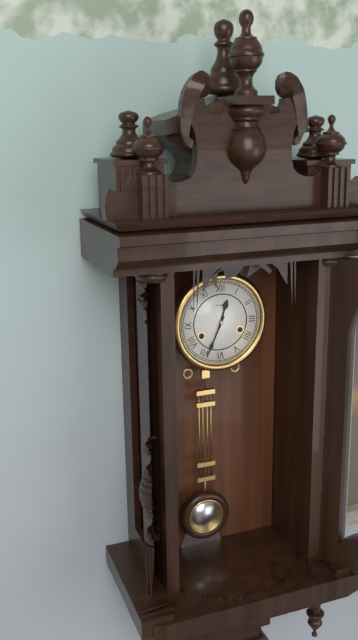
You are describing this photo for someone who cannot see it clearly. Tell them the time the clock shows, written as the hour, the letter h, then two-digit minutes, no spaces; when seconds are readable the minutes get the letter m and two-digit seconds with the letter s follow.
12h34
